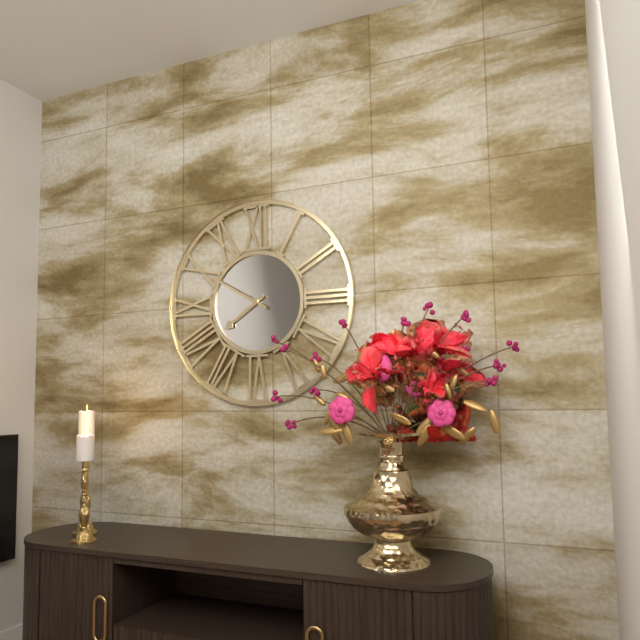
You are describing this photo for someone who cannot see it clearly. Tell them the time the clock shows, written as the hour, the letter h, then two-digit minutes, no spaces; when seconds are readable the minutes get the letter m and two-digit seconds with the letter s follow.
7h50
